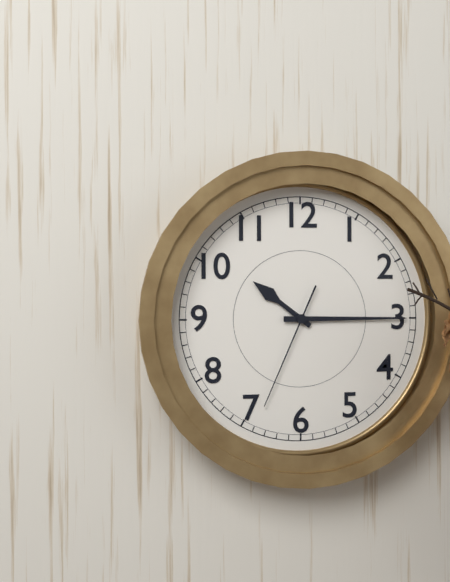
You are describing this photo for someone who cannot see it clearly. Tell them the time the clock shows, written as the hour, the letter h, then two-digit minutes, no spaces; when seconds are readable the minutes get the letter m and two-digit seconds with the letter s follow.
10h15m34s
